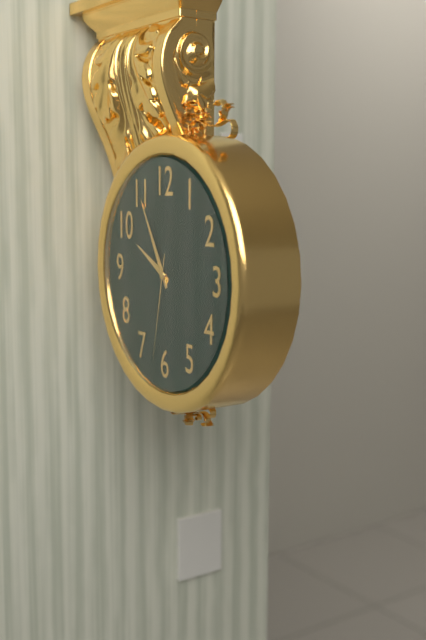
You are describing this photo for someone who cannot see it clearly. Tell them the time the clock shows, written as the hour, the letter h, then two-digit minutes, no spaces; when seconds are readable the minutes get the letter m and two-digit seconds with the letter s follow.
9h55m32s
